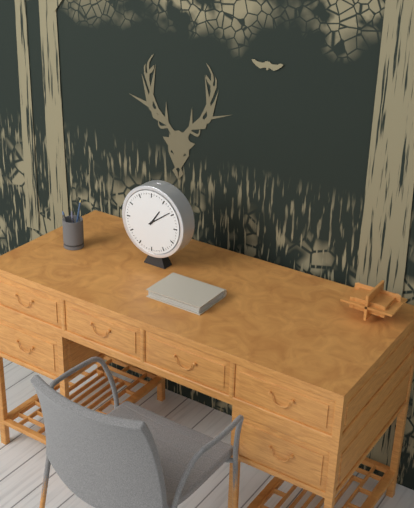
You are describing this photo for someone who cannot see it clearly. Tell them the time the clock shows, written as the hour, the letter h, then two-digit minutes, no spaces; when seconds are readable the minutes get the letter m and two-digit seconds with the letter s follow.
1h09
